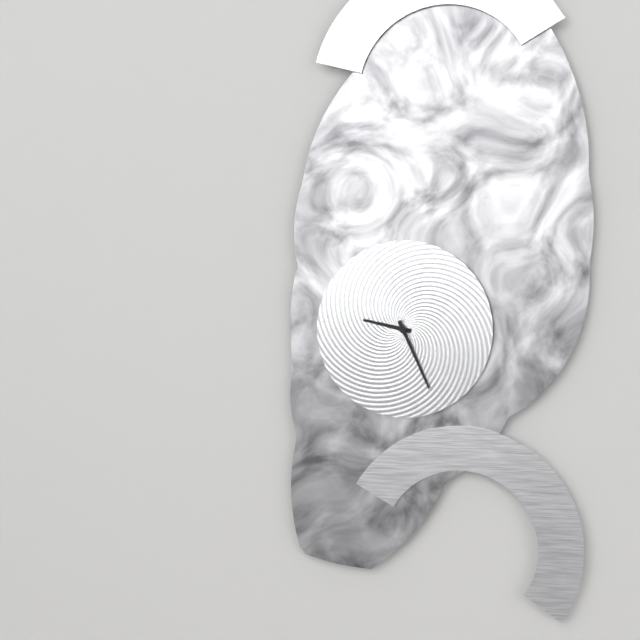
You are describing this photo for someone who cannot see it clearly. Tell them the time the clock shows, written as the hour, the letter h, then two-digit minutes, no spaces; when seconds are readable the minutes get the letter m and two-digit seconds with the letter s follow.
9h26
